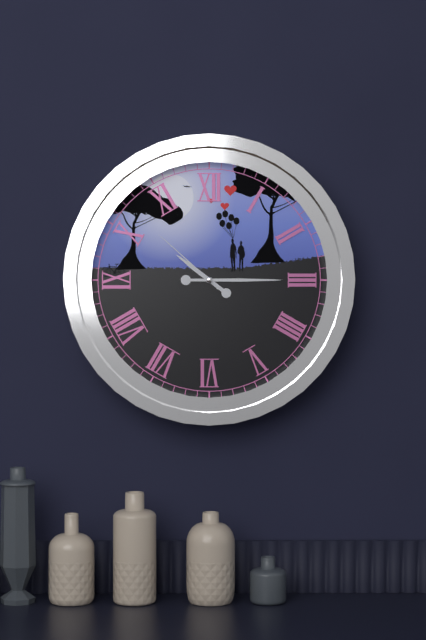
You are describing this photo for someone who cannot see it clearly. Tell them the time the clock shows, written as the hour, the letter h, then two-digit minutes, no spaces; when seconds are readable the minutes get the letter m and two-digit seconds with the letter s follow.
10h15m52s
